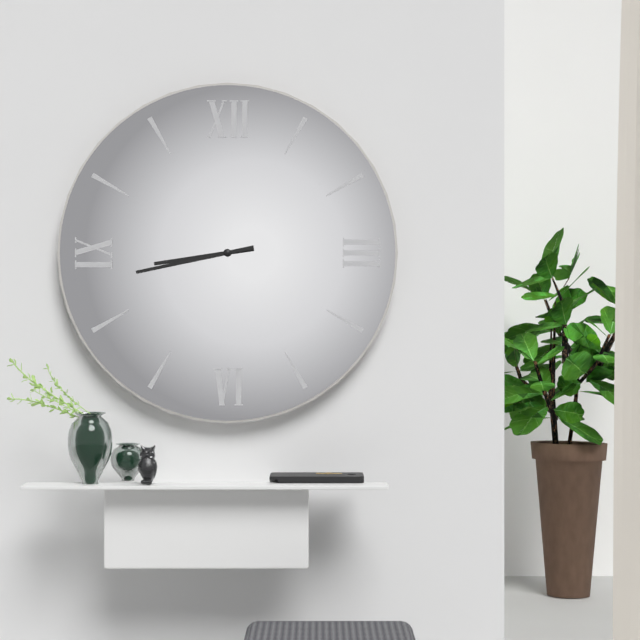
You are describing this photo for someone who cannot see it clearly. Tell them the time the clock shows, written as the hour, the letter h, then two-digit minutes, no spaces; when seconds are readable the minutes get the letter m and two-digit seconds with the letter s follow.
8h43
